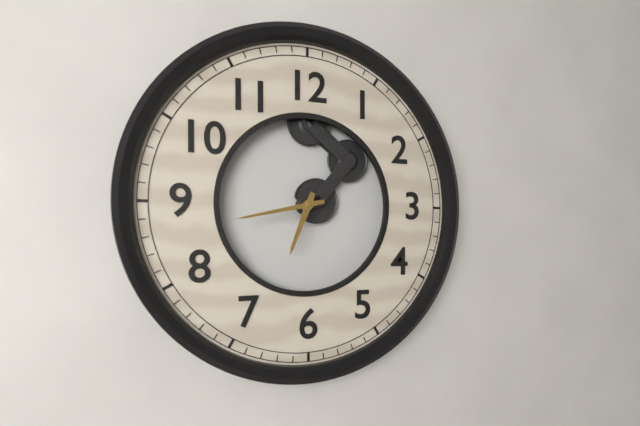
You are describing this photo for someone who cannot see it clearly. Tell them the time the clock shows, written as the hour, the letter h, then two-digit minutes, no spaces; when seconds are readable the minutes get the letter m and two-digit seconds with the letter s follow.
6h43
